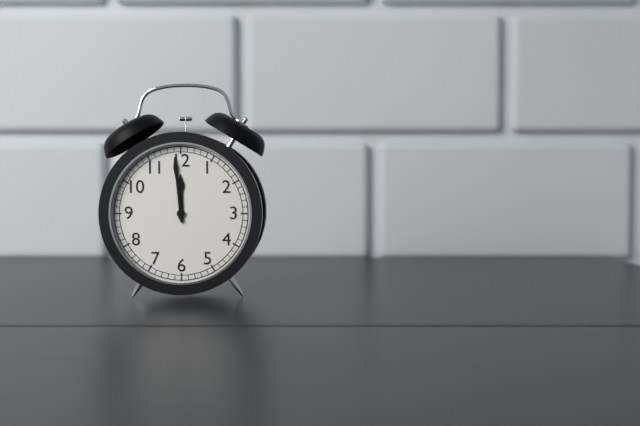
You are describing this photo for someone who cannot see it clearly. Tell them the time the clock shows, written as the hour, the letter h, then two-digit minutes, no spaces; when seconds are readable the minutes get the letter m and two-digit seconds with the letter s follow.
11h59
